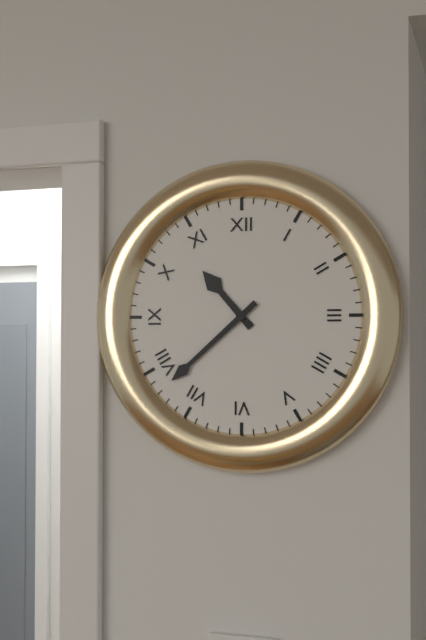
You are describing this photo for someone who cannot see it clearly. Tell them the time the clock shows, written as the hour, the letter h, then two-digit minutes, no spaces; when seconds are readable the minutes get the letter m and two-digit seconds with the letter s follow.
10h38
